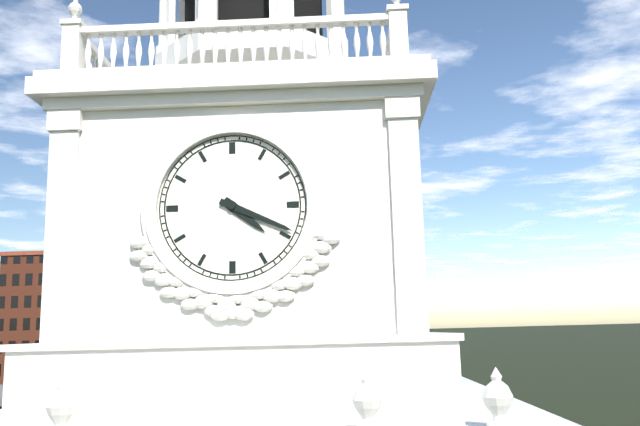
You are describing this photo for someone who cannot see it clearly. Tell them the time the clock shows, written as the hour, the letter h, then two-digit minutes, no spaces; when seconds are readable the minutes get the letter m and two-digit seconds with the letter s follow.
4h19
